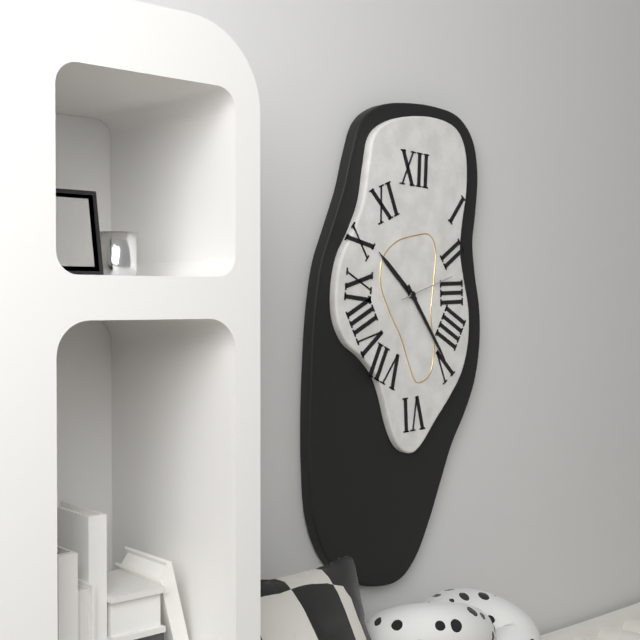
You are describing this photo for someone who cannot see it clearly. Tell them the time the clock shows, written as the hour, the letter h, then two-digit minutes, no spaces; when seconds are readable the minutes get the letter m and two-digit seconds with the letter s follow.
10h24m12s
